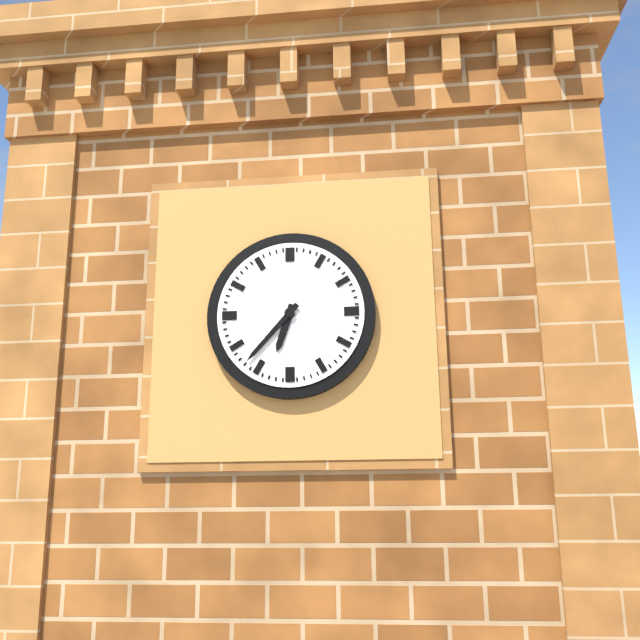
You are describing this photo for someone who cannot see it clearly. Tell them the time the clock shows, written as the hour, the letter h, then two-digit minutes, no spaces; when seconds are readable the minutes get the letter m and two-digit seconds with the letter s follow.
6h37
